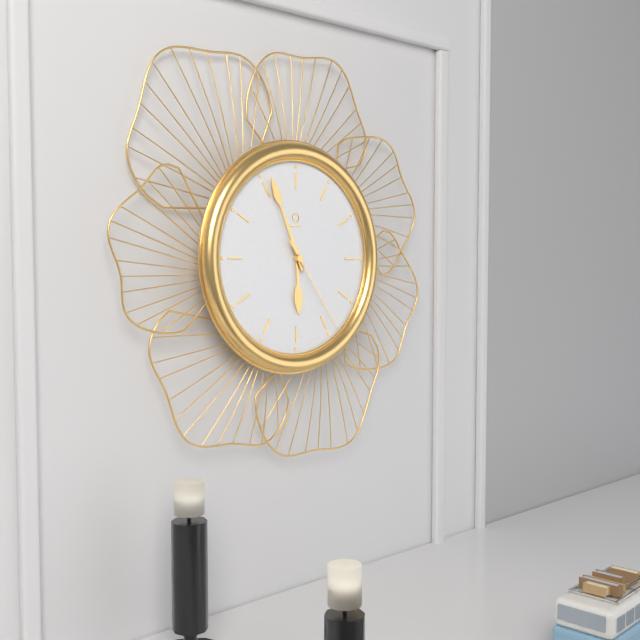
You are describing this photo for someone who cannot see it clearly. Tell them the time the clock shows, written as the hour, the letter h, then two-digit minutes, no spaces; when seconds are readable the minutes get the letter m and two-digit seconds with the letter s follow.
5h56m24s
